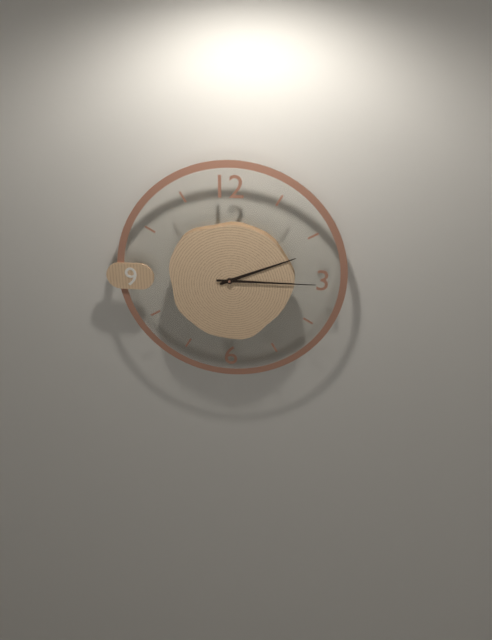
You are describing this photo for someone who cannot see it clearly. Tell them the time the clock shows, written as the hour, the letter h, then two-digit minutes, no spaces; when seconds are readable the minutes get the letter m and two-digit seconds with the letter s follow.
2h15
